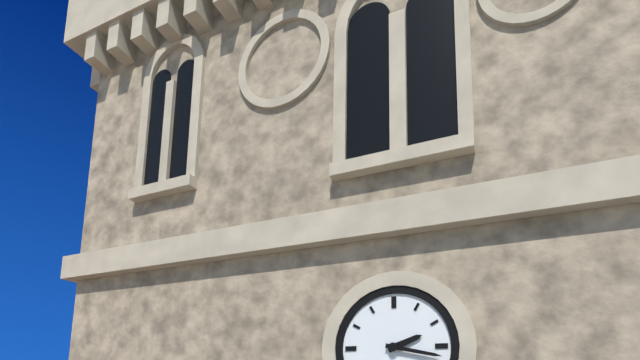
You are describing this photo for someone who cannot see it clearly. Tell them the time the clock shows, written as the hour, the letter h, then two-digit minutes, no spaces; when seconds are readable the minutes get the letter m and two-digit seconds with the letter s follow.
2h17
